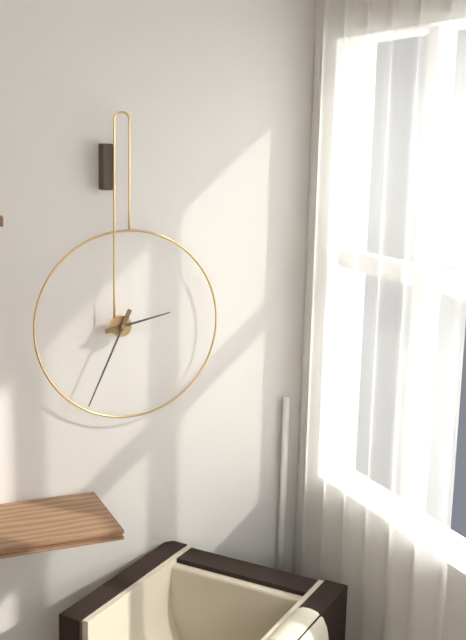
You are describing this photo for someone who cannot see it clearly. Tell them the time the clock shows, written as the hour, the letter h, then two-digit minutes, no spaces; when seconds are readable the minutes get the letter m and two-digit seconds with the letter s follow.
2h34
